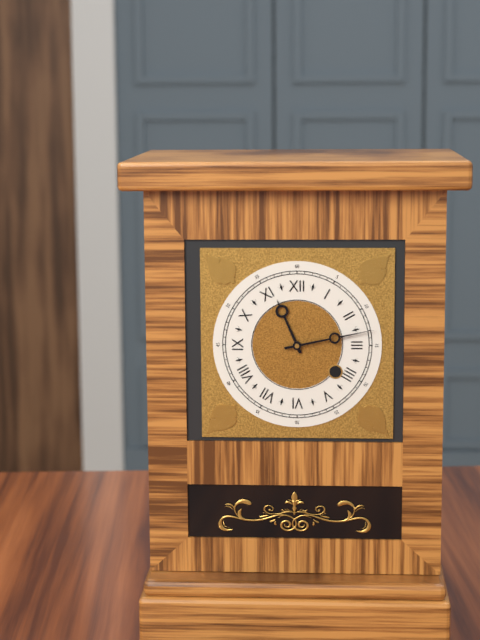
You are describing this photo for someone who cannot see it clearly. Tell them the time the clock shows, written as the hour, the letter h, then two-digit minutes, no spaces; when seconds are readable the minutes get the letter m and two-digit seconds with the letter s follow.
11h13
